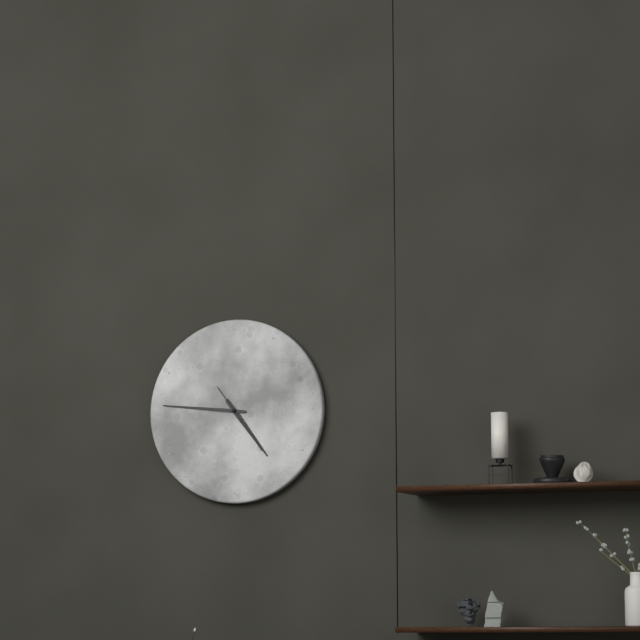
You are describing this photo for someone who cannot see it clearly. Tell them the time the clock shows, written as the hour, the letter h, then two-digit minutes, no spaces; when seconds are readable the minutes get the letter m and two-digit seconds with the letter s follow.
4h46m24s
